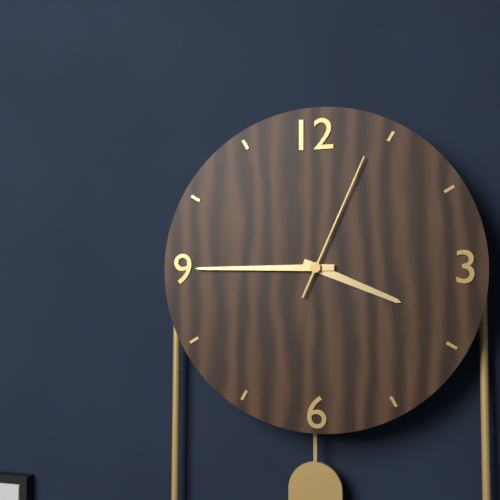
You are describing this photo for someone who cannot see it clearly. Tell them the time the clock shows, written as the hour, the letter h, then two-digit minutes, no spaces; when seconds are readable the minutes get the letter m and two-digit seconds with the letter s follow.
3h45m04s
